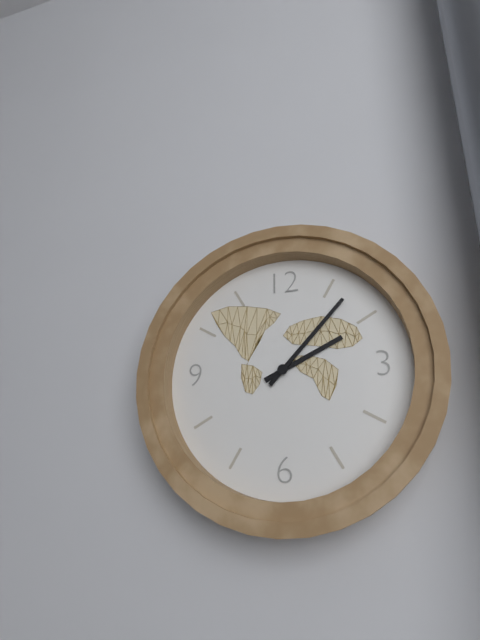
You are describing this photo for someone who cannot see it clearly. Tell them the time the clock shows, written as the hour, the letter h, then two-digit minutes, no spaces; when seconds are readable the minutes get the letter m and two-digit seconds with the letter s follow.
2h07
